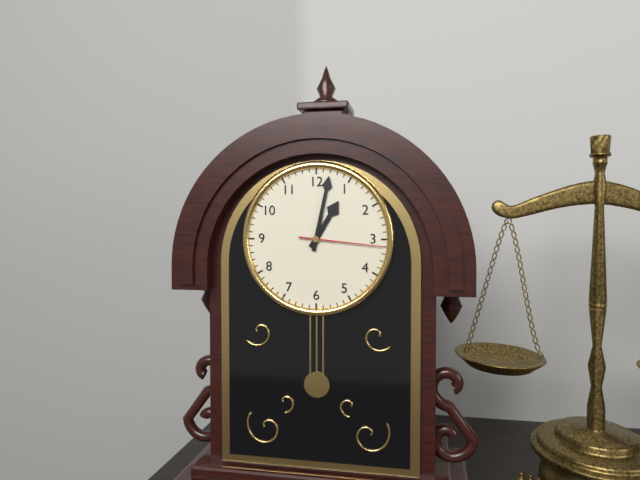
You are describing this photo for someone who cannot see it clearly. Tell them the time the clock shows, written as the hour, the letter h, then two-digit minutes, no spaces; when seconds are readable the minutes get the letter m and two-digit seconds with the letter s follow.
1h02m16s
